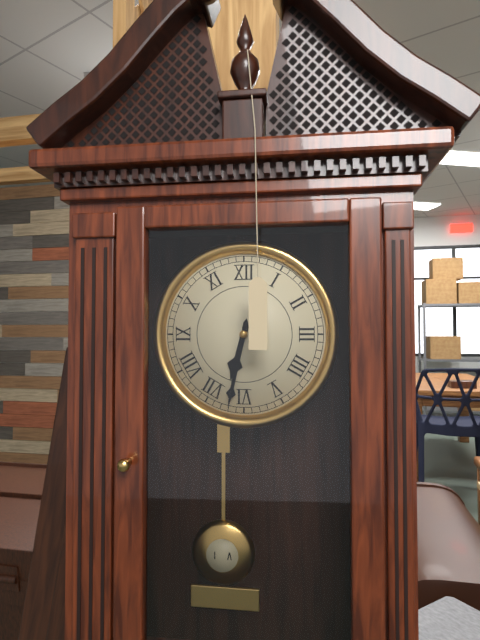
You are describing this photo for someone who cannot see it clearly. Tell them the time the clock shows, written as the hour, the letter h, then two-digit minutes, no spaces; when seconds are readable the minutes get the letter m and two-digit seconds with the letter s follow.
6h32
